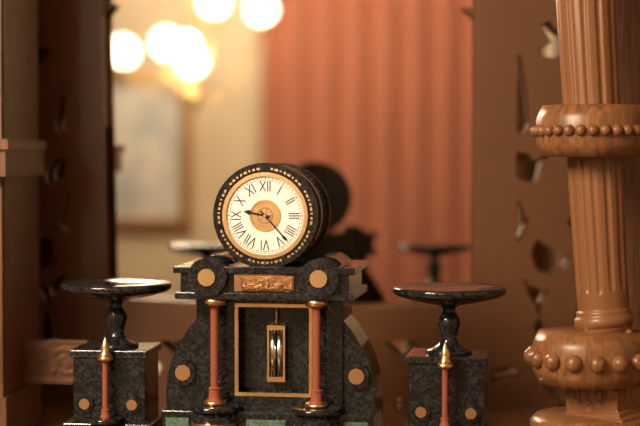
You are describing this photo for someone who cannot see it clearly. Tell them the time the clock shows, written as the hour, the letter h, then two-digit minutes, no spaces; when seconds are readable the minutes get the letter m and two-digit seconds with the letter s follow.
9h23
